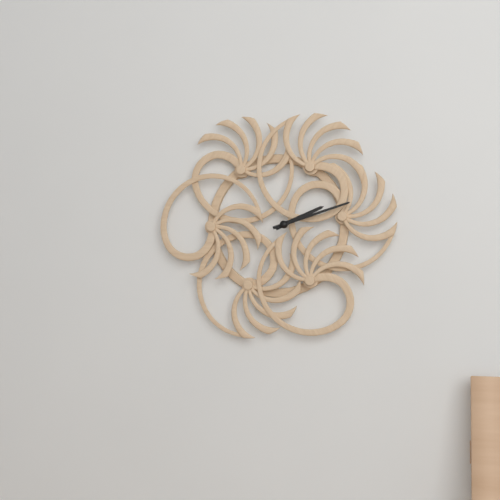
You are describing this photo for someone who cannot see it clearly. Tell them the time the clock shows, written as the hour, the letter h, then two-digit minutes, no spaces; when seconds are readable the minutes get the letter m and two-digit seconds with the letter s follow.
2h12
